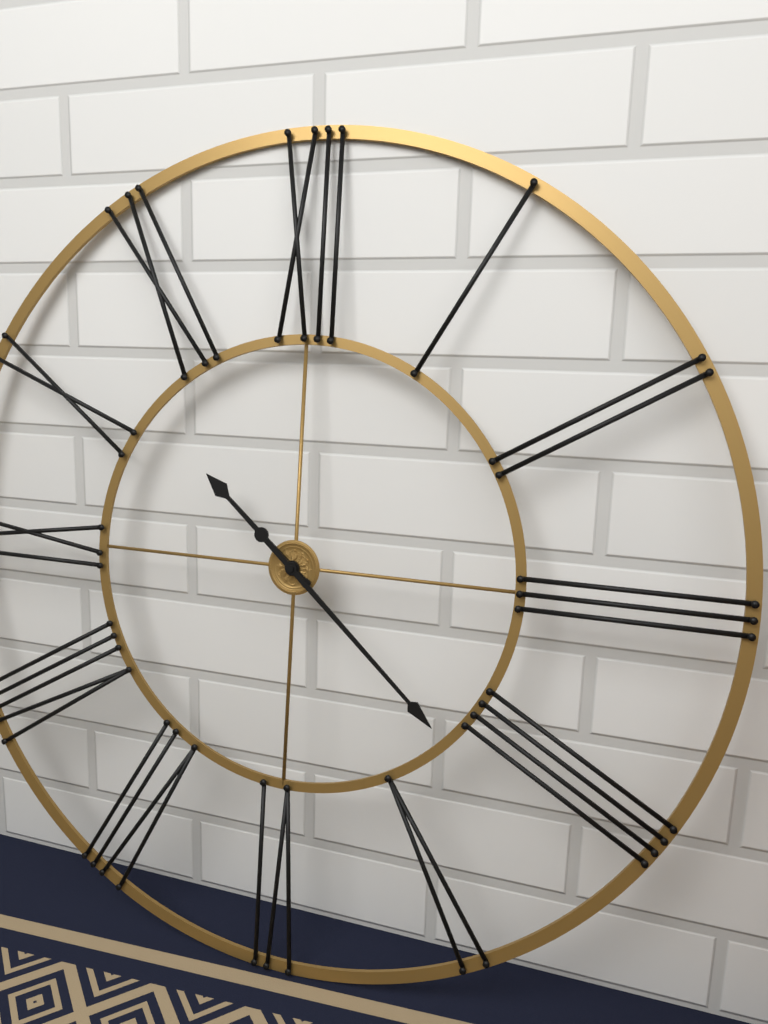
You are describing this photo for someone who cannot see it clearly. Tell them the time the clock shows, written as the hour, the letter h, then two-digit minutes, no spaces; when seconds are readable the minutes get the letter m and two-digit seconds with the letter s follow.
10h22
